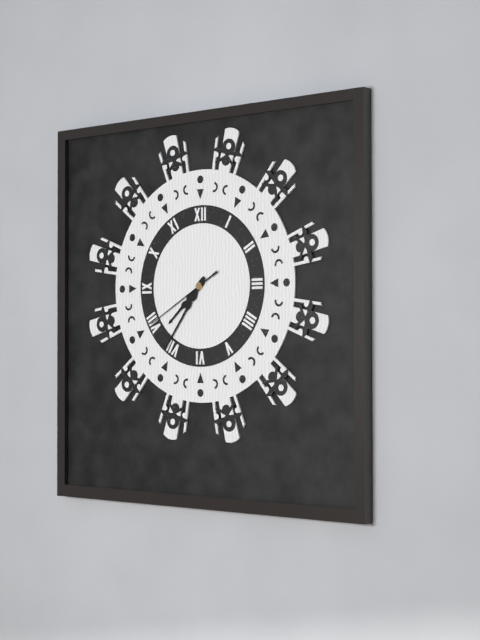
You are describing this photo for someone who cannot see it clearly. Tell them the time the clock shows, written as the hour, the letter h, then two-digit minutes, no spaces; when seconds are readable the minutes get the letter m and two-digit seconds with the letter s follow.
7h36m40s
